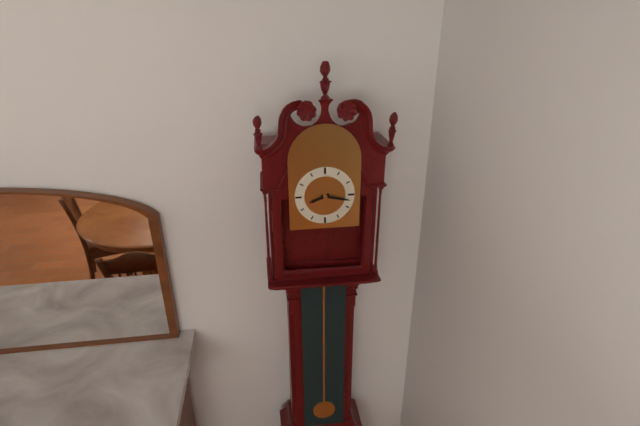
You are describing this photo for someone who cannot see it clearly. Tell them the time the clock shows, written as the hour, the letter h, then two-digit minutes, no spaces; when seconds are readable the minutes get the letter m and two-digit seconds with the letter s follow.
8h17
